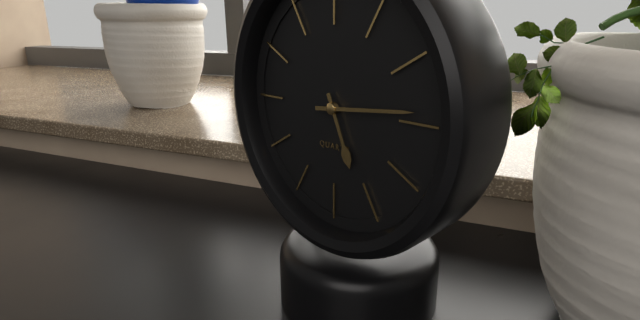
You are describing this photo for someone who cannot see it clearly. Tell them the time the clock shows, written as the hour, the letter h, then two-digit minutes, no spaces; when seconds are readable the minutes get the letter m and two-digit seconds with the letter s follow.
5h14
